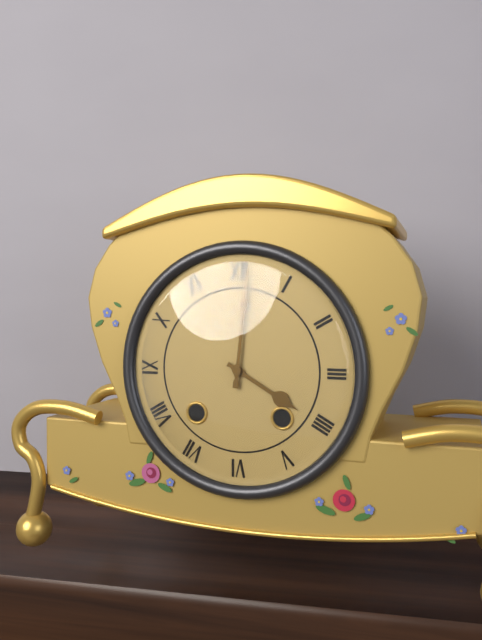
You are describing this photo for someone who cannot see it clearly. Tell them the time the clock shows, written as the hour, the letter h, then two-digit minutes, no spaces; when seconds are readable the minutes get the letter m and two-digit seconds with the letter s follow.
4h01
